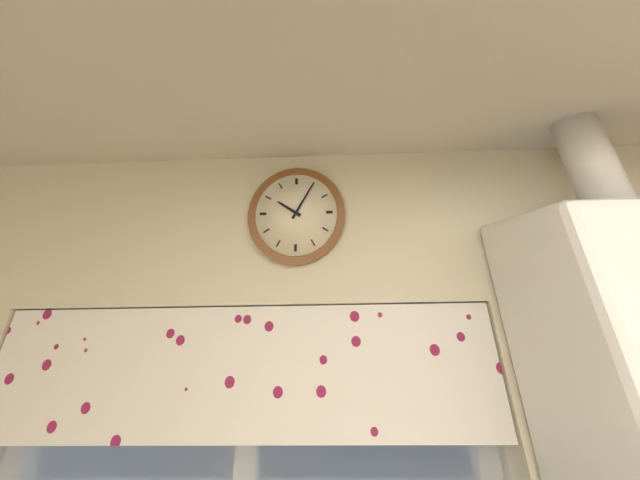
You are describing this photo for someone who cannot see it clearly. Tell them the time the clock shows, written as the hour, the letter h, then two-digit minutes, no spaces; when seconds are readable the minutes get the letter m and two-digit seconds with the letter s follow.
10h05
